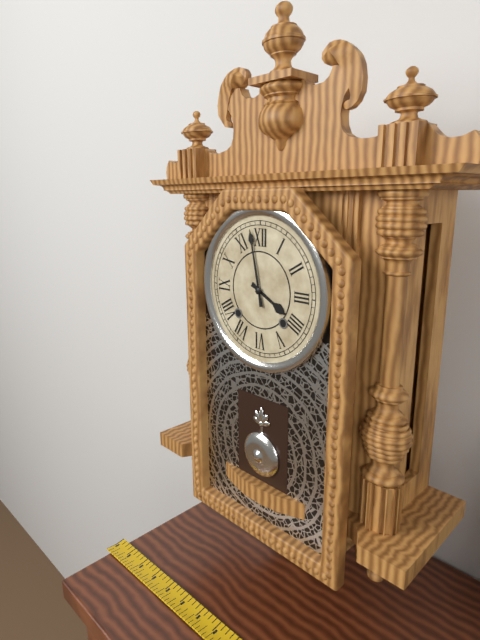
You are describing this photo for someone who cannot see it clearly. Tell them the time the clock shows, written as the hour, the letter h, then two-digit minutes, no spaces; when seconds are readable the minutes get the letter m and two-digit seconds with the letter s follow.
3h58
